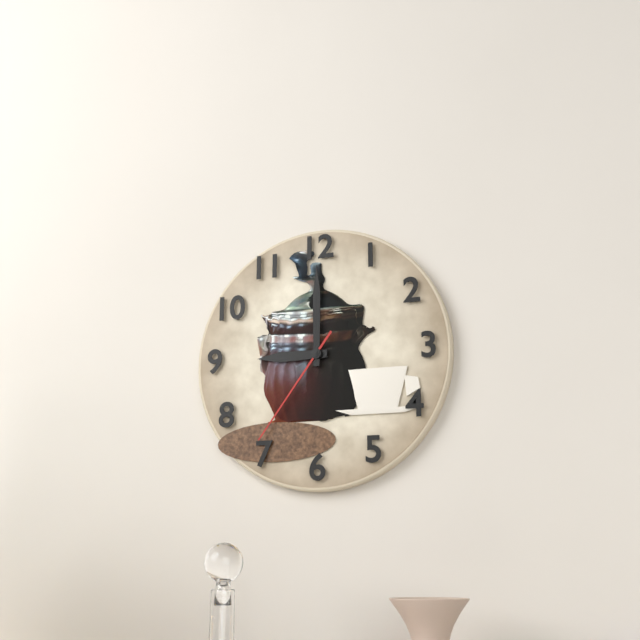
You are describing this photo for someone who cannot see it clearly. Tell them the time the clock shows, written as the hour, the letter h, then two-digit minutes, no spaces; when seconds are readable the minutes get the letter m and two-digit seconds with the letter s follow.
9h00m36s
